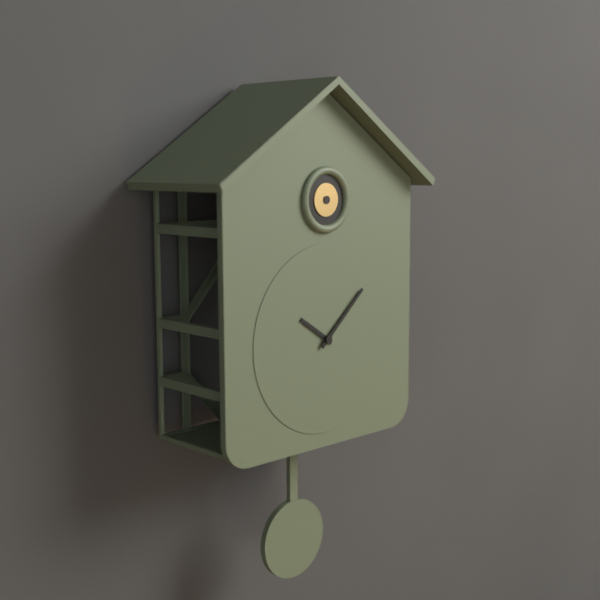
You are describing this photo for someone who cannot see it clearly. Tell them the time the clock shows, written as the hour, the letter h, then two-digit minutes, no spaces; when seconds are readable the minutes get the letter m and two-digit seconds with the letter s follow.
10h08
